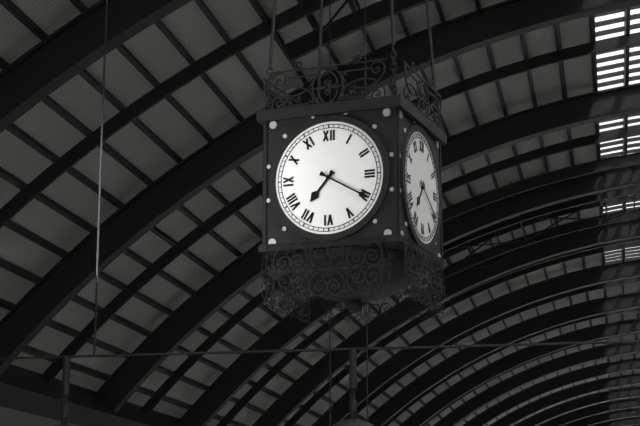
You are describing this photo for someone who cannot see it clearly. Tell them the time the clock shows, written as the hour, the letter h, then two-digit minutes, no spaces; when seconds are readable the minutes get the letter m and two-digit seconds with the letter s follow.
7h20
